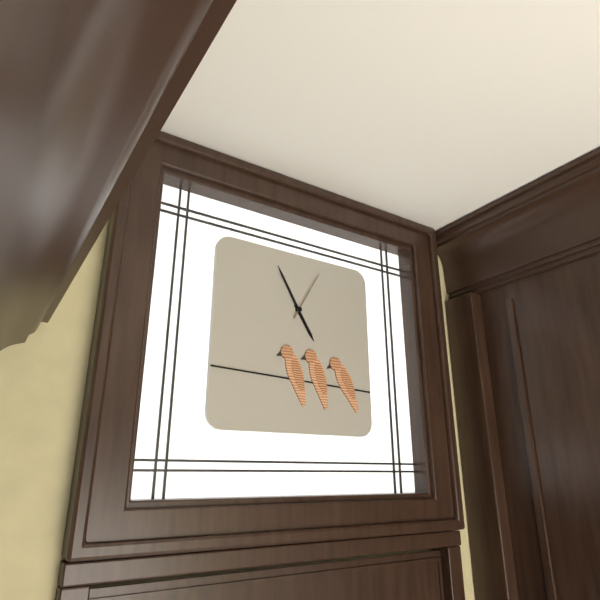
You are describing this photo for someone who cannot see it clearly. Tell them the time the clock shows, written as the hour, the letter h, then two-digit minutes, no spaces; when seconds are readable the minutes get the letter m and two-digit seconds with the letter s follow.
4h55m05s
